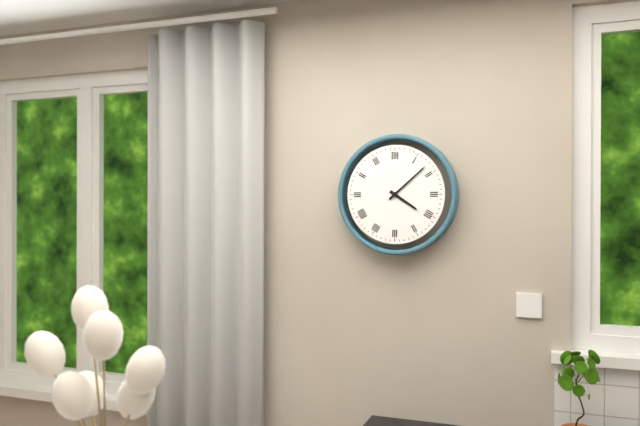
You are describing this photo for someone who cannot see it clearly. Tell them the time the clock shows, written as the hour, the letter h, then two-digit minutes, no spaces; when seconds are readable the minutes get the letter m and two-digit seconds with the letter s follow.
4h08
